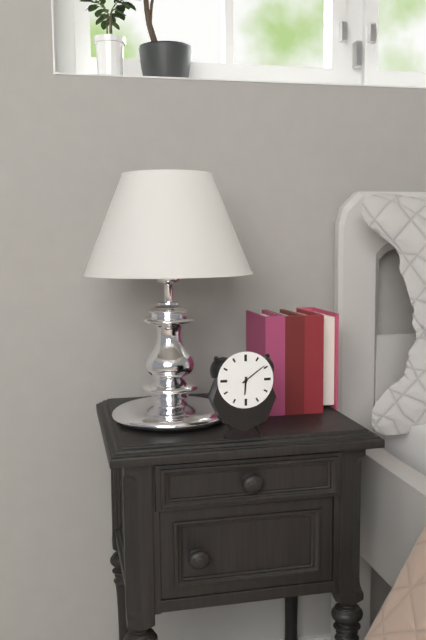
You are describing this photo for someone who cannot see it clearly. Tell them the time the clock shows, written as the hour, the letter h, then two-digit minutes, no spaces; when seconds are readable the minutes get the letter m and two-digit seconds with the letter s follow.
6h09
